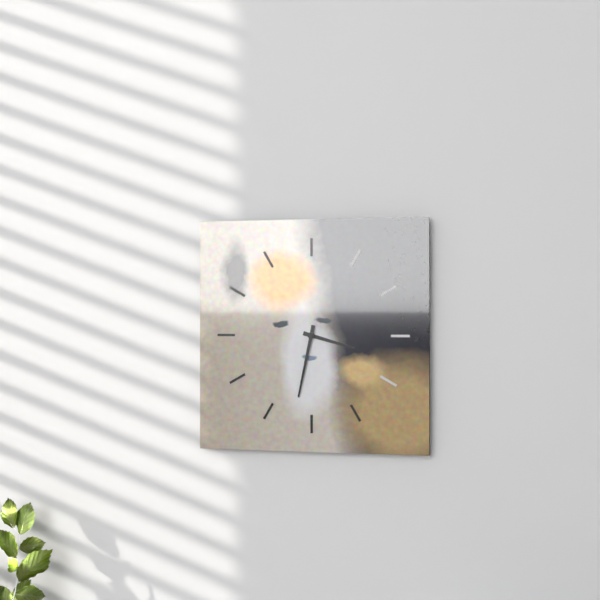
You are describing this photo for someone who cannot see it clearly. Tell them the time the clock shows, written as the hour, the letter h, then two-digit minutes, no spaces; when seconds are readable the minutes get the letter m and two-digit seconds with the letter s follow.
3h32
